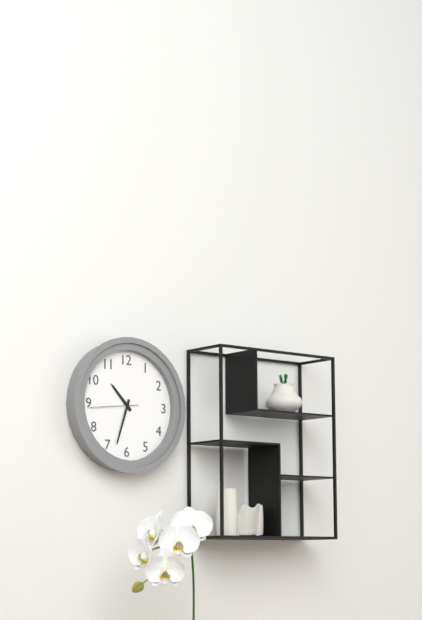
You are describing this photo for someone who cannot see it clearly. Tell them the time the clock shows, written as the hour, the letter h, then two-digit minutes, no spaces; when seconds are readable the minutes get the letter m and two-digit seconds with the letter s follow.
10h33
